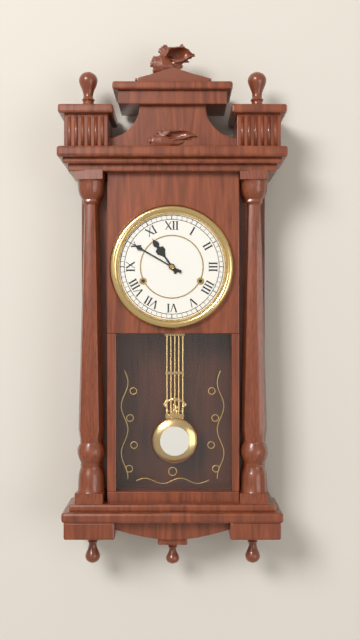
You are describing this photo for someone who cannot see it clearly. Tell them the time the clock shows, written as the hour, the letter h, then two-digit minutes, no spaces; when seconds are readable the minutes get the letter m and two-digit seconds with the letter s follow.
10h50
